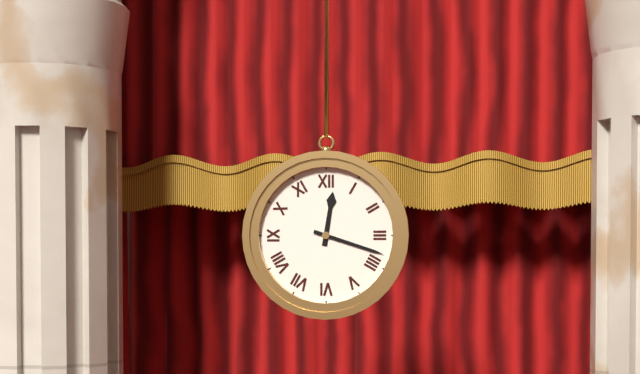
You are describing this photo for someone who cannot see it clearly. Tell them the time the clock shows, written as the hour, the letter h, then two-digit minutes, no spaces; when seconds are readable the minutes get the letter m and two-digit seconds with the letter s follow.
12h18
